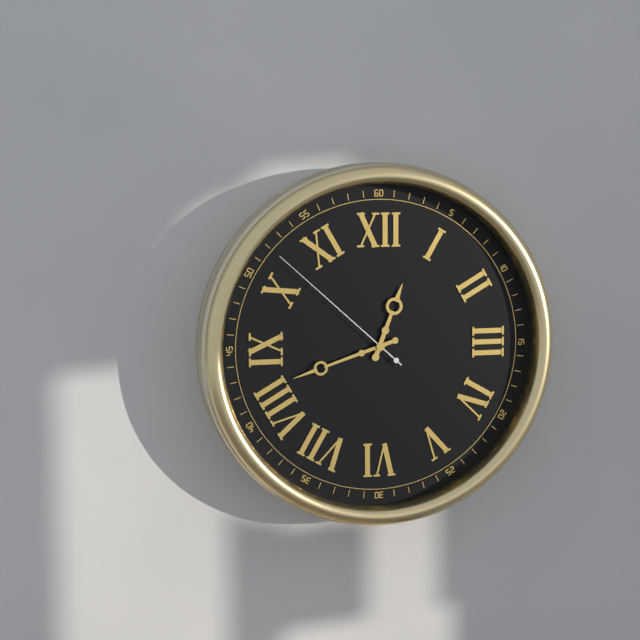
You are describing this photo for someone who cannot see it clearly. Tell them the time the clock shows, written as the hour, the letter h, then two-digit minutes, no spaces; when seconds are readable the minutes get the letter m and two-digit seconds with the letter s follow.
12h42m52s
